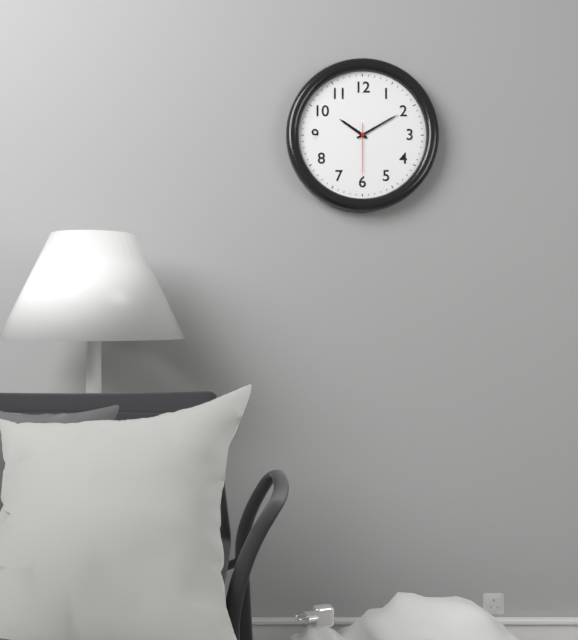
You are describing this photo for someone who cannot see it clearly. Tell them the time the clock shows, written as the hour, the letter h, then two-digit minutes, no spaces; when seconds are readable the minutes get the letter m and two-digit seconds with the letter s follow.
10h10m30s
